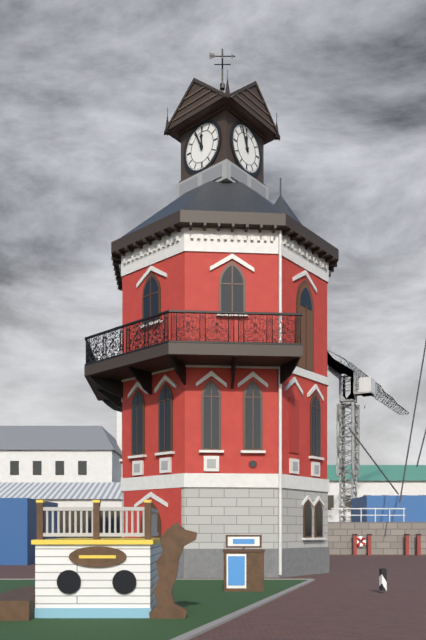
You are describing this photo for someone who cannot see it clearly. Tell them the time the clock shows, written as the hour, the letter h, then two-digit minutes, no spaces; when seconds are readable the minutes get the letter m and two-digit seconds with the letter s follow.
11h56
